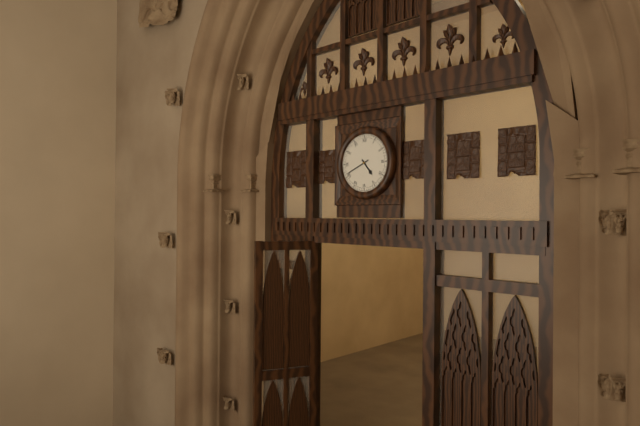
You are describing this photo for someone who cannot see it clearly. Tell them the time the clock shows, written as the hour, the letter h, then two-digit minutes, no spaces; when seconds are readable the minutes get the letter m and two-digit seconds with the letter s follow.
4h41
